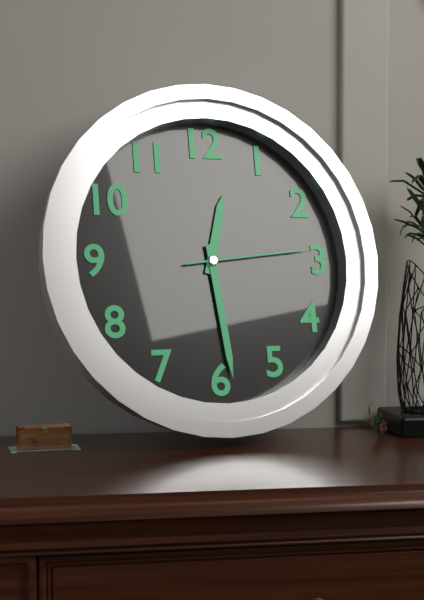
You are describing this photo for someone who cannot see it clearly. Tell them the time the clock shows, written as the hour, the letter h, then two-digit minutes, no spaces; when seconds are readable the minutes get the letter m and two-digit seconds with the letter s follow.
12h29m14s
